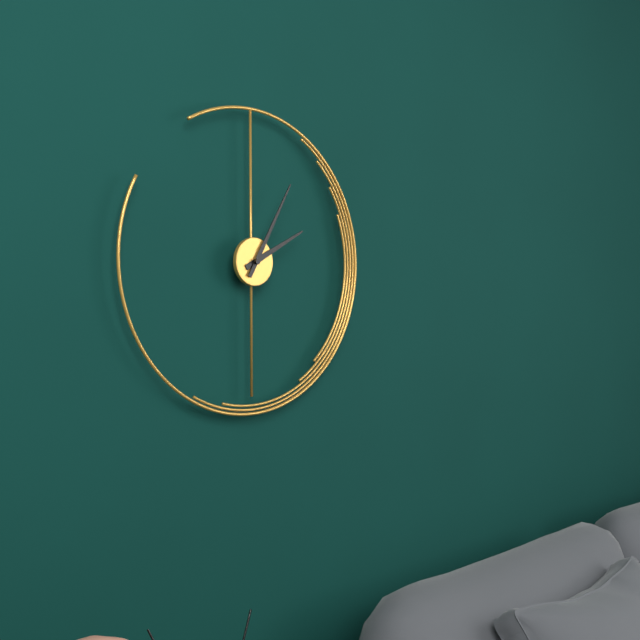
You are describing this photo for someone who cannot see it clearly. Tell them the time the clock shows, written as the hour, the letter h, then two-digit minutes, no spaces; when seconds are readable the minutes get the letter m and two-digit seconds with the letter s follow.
2h05
